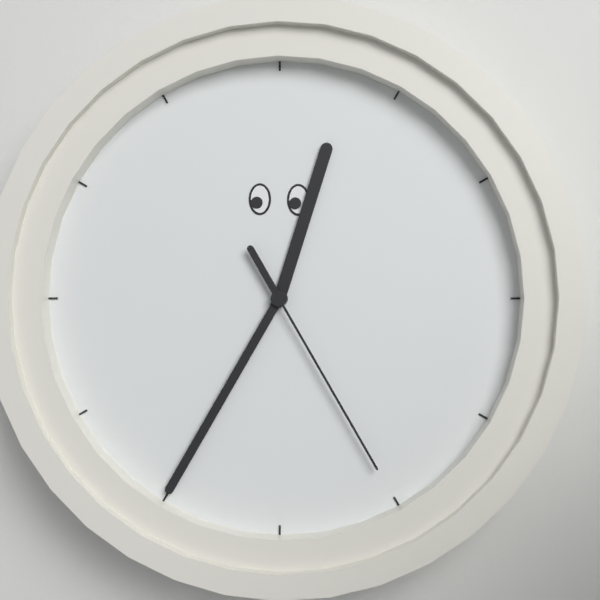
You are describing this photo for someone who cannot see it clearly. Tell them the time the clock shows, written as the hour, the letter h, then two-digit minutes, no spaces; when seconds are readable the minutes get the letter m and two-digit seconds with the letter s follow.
12h35m25s
